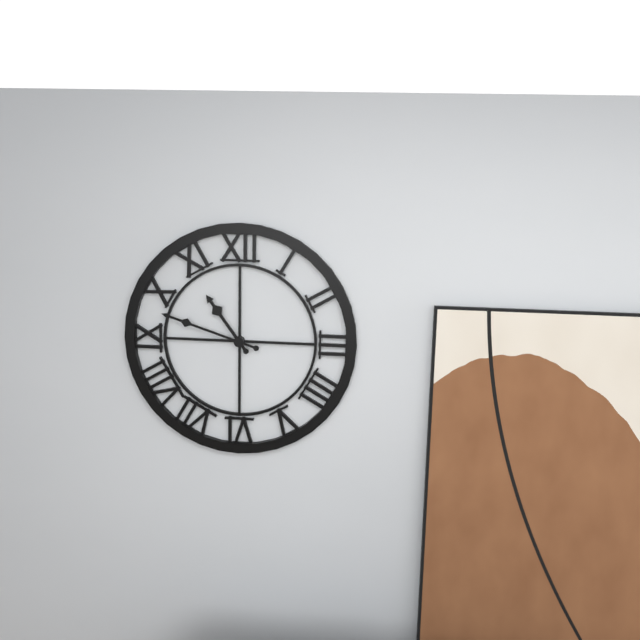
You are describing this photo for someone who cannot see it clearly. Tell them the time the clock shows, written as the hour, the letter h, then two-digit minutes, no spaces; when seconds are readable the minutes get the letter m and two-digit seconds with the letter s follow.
10h48
